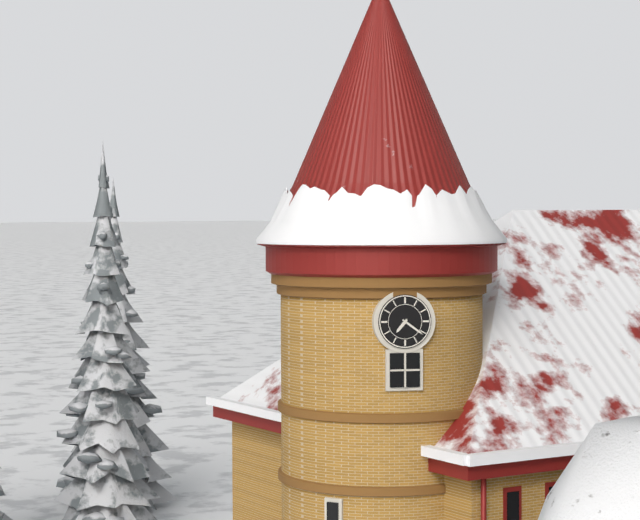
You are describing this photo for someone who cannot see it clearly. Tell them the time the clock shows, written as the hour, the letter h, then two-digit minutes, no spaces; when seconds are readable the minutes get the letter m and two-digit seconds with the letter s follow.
7h21
